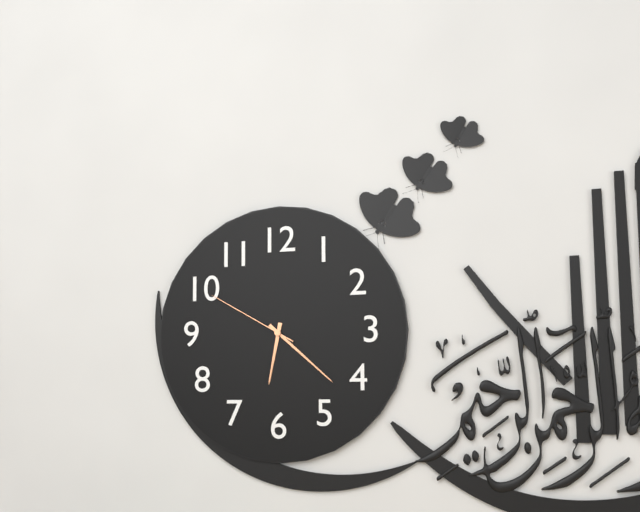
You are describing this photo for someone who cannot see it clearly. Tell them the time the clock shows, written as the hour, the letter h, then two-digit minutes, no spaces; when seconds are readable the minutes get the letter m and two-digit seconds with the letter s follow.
6h22m50s
